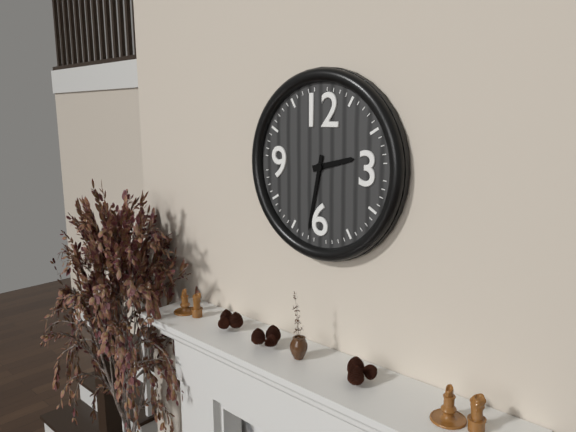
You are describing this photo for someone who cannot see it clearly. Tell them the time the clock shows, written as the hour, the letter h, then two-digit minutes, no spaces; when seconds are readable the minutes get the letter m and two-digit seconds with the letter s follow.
2h32
